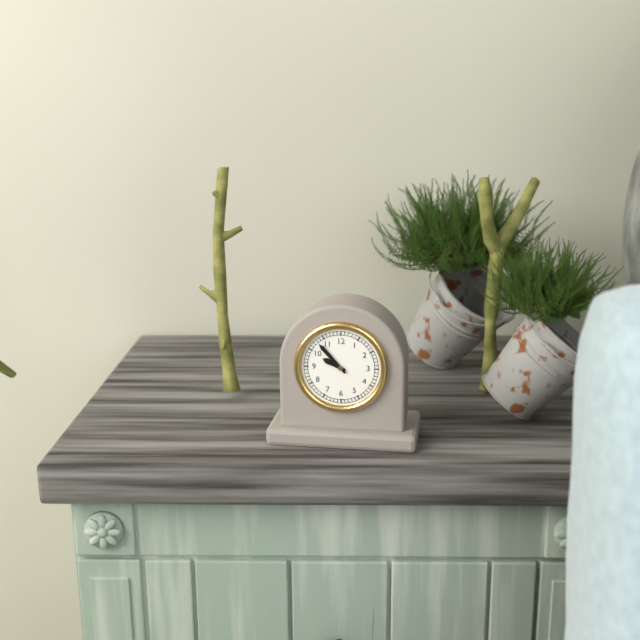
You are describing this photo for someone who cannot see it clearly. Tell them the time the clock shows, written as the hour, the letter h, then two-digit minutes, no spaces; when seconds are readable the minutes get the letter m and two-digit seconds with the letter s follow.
9h53
